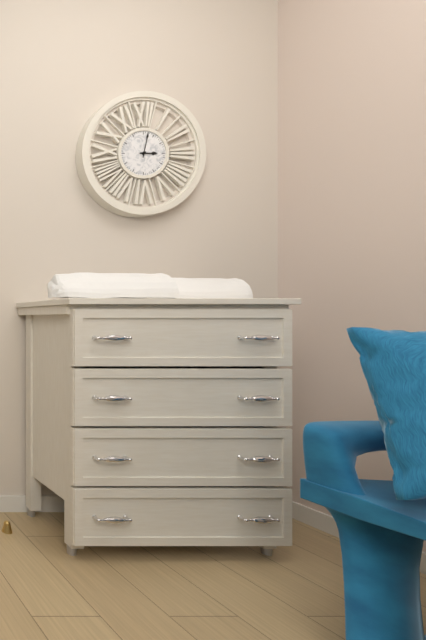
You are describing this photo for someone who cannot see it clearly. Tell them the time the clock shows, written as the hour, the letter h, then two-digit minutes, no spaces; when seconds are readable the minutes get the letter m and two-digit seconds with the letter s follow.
3h02
